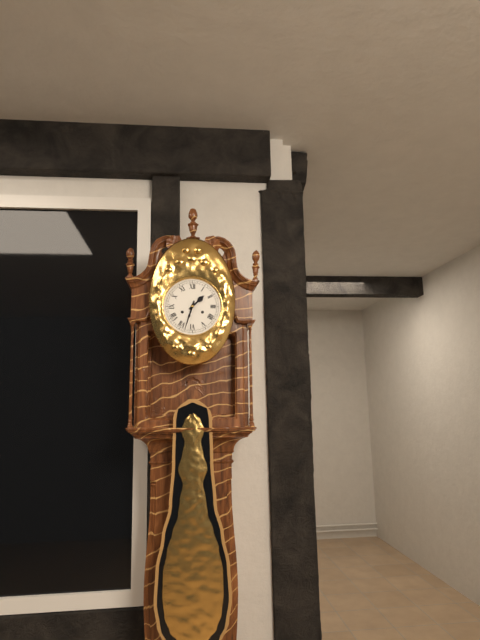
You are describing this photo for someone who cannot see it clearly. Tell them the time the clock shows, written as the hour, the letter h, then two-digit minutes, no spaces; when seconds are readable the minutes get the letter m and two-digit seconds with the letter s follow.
1h33
